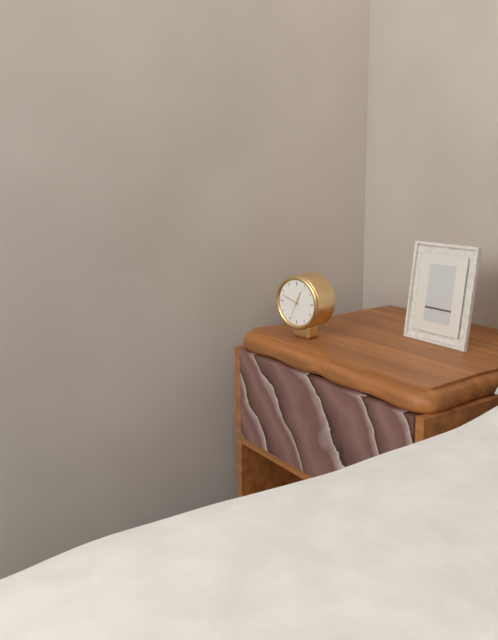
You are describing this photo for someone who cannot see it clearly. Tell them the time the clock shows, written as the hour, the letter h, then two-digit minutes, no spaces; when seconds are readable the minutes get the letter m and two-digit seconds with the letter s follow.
12h48
